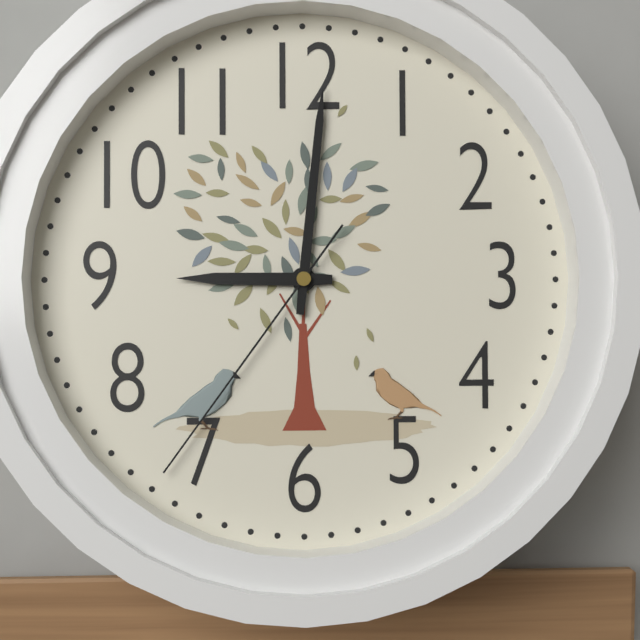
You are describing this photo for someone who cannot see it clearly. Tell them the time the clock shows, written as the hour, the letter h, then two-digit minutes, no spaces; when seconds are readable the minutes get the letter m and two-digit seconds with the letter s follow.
9h01m36s
